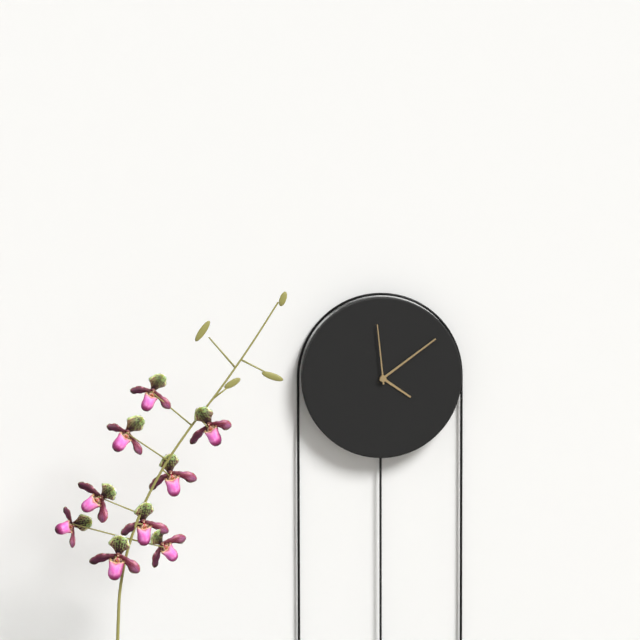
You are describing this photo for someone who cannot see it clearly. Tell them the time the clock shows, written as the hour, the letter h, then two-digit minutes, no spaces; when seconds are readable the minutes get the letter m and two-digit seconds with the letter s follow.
4h09m59s
